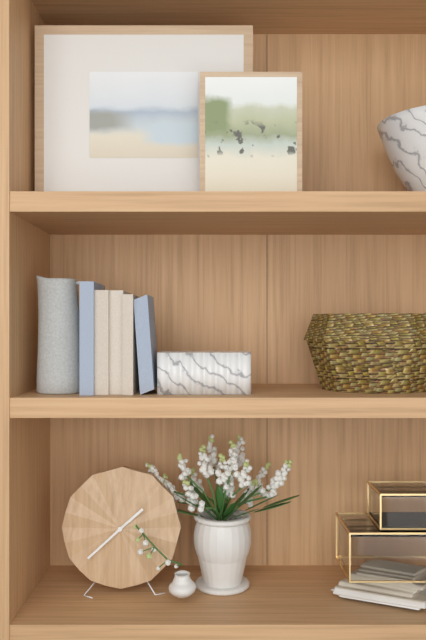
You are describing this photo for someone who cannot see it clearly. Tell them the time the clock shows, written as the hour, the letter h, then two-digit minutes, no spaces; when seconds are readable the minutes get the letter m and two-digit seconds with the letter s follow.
1h38
